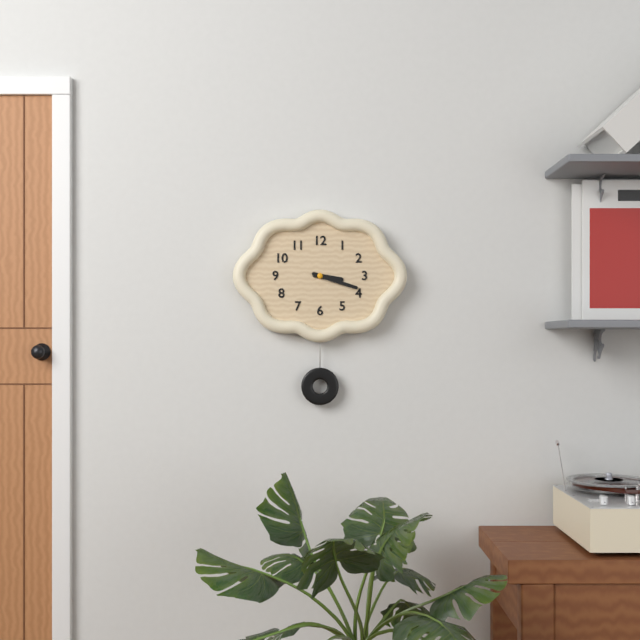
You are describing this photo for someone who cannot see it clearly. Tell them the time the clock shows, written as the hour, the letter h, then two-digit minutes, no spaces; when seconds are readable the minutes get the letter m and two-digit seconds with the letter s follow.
3h18
